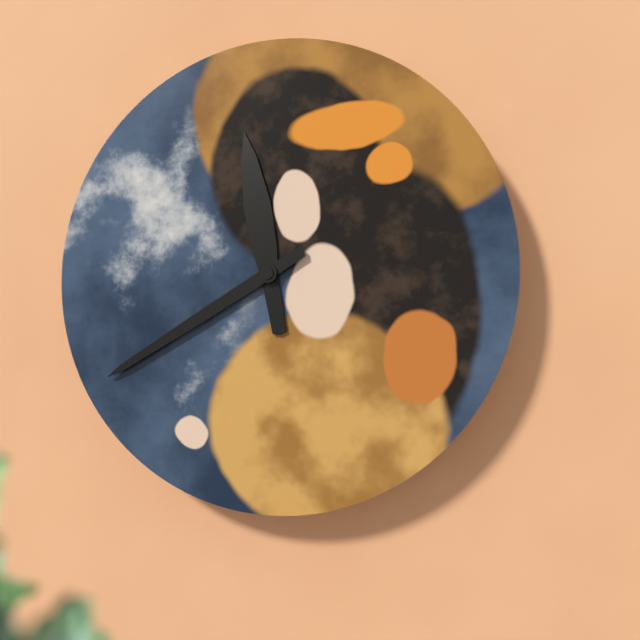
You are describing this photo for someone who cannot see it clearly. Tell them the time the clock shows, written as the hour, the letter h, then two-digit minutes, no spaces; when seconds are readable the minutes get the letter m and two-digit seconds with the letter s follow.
11h40
